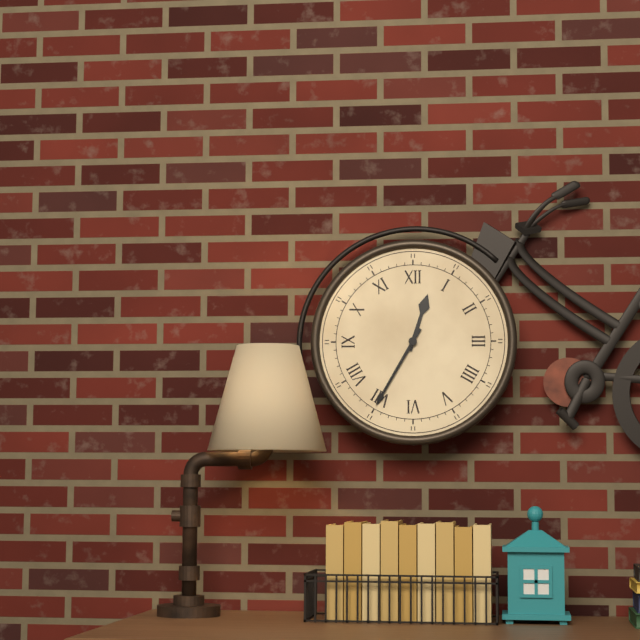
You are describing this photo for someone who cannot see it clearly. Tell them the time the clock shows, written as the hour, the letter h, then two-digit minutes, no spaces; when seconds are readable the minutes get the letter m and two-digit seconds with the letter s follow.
12h35
